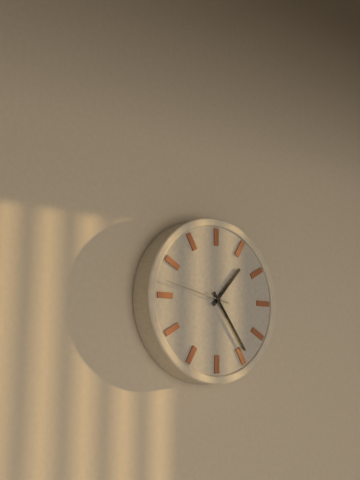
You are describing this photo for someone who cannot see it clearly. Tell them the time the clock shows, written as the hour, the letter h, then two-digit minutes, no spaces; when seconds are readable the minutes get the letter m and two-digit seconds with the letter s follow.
1h24m47s
